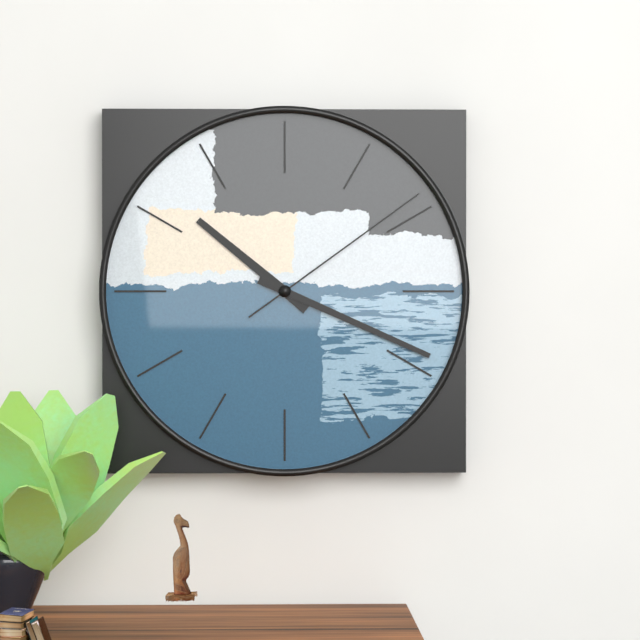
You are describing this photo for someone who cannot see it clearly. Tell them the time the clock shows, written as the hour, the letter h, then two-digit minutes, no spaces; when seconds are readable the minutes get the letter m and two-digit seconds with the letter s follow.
10h19m09s
